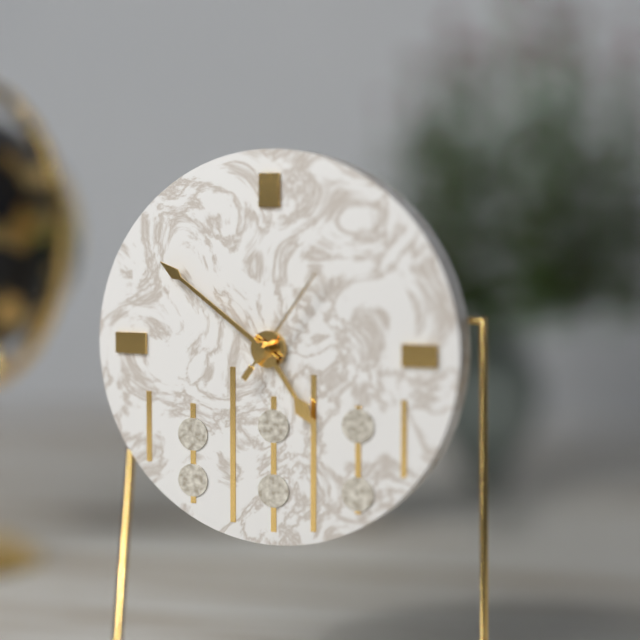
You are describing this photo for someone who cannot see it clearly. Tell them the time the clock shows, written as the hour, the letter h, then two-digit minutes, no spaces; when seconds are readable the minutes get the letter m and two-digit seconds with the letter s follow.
4h51m06s
